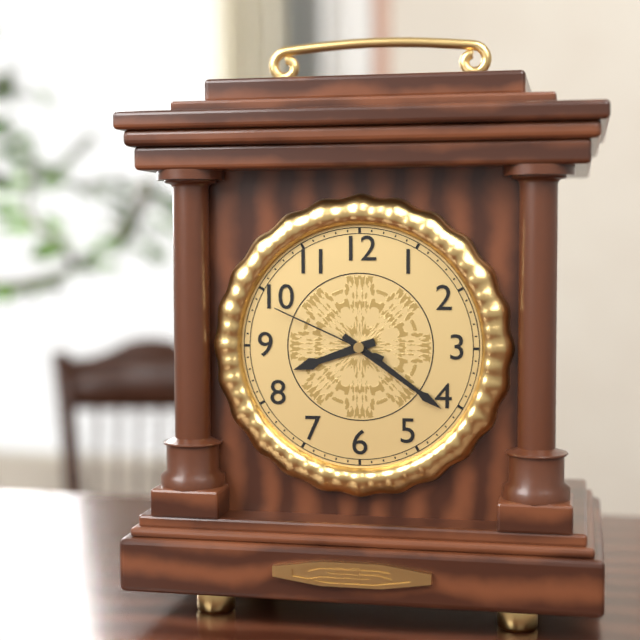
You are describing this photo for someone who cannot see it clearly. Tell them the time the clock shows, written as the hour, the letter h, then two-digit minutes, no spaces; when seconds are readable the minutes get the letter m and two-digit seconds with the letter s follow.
8h21m49s
